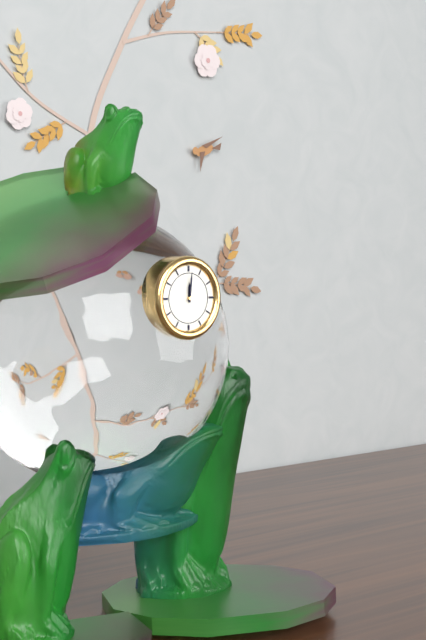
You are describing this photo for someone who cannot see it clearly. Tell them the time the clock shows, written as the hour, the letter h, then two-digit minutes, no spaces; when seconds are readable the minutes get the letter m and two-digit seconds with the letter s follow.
12h01
